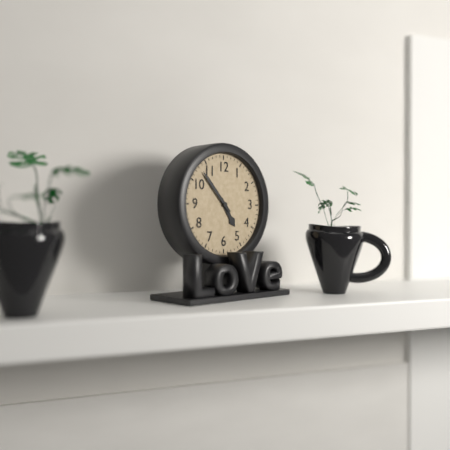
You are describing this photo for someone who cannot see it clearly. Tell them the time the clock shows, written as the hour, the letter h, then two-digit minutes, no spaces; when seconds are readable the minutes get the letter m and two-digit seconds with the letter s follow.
4h53
